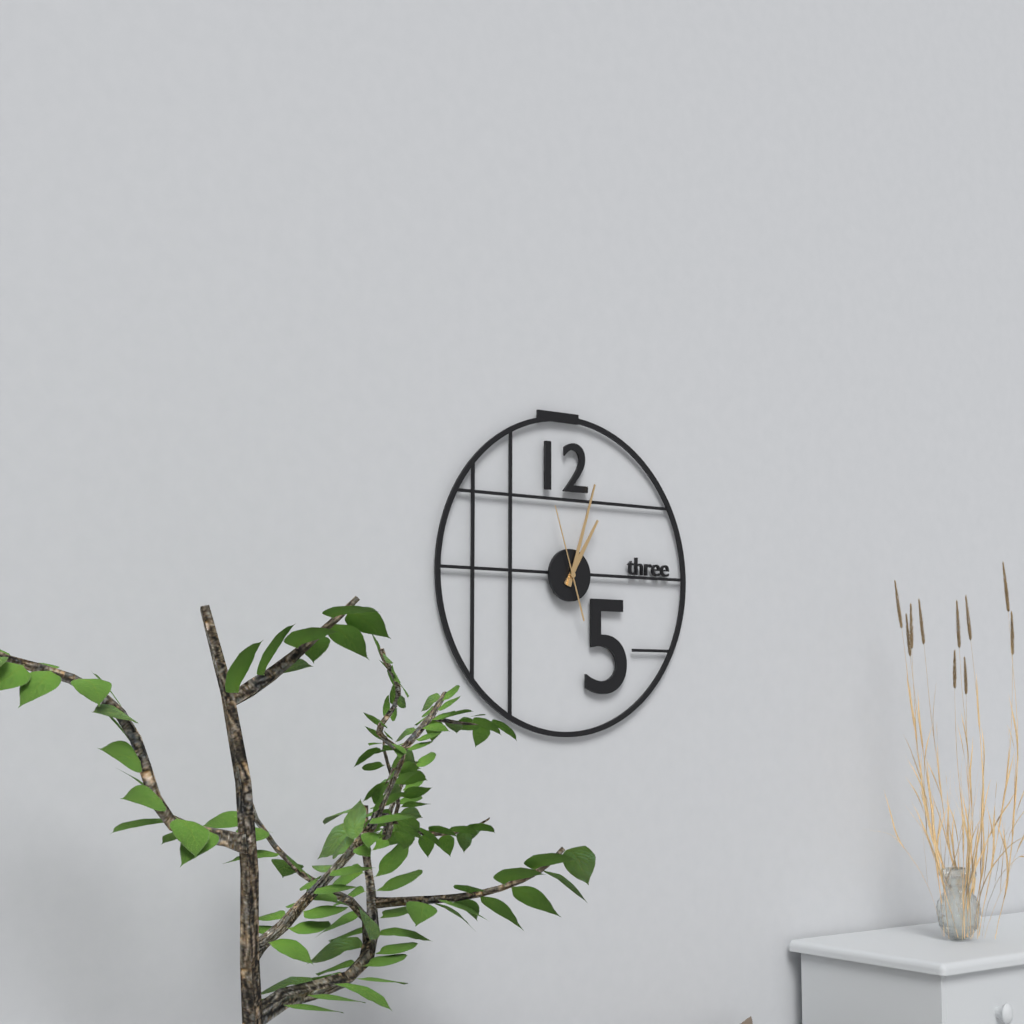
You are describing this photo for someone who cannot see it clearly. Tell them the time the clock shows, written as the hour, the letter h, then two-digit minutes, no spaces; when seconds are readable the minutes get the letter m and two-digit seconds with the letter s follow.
1h03m57s
